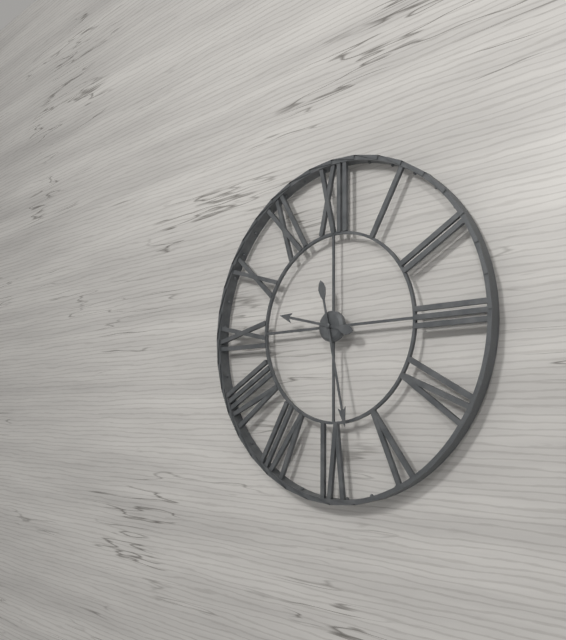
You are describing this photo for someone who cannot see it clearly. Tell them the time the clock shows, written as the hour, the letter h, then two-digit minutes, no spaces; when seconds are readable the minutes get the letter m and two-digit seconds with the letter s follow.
9h28
